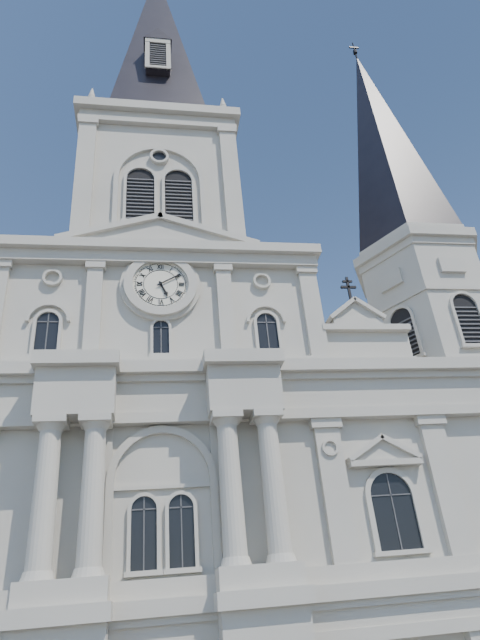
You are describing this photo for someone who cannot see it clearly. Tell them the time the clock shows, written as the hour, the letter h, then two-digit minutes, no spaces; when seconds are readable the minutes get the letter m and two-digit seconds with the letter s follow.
5h10
